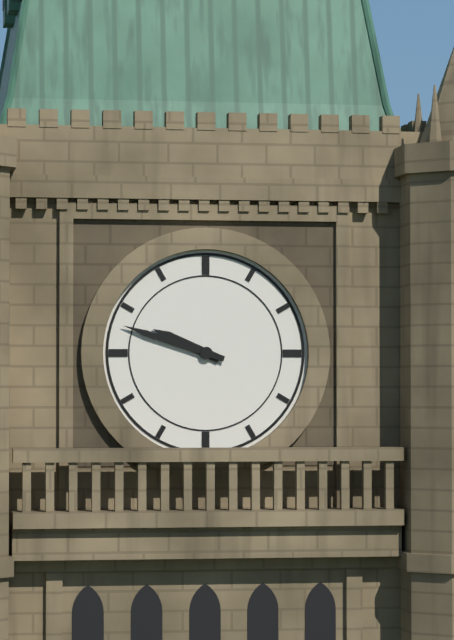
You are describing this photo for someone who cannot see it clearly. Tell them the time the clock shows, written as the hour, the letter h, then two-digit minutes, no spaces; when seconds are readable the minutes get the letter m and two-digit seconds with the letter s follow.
9h48
